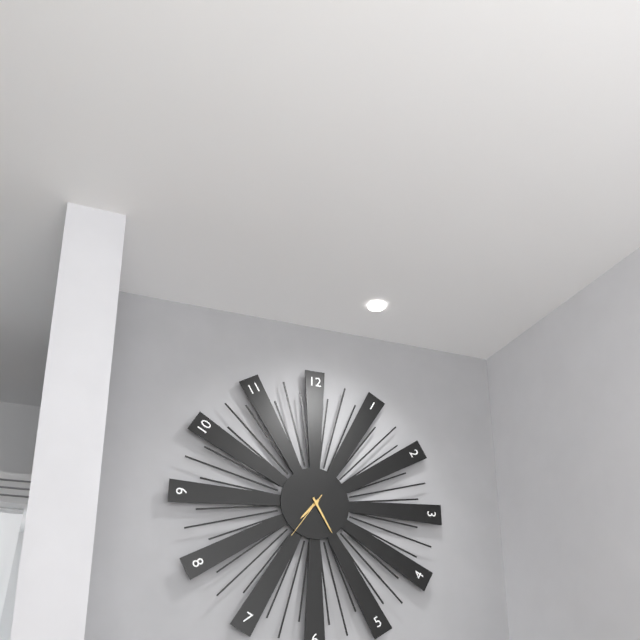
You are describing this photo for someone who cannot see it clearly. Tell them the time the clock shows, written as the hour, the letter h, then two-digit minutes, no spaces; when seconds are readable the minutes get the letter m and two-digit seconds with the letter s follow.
7h25m36s
